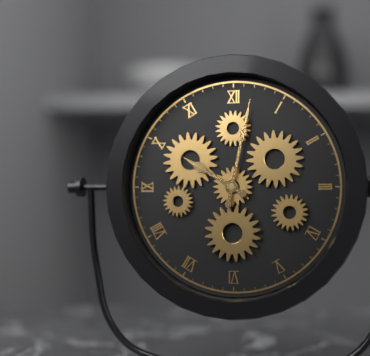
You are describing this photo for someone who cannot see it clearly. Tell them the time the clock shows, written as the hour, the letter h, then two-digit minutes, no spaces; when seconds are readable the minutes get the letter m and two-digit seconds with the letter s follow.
10h02
